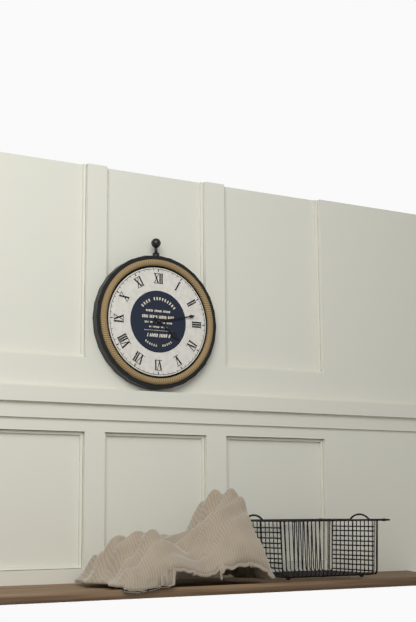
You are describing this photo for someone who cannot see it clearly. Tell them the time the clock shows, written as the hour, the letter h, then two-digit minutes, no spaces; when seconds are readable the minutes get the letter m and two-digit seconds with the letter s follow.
4h13
